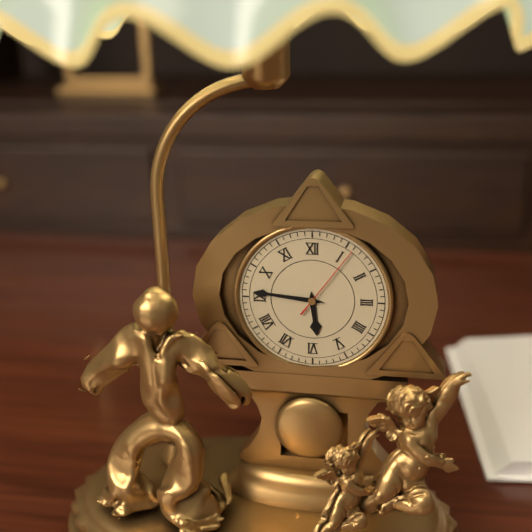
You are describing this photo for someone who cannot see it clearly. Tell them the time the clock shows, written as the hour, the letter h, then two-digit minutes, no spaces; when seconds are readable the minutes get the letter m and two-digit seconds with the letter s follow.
5h46m06s
